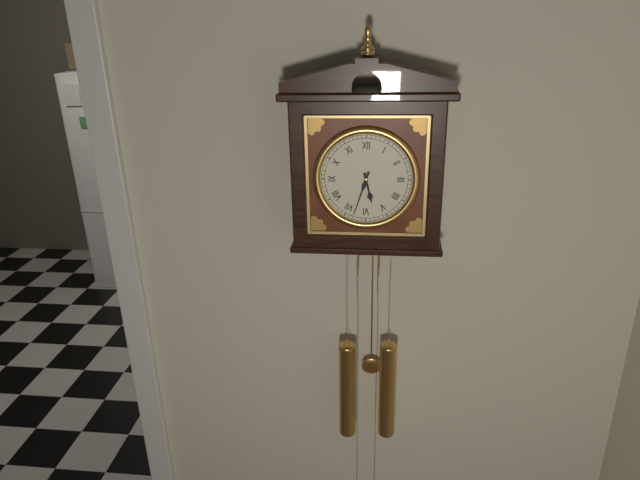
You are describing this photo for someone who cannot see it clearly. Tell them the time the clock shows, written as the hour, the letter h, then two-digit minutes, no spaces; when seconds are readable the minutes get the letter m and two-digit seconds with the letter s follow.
5h33
